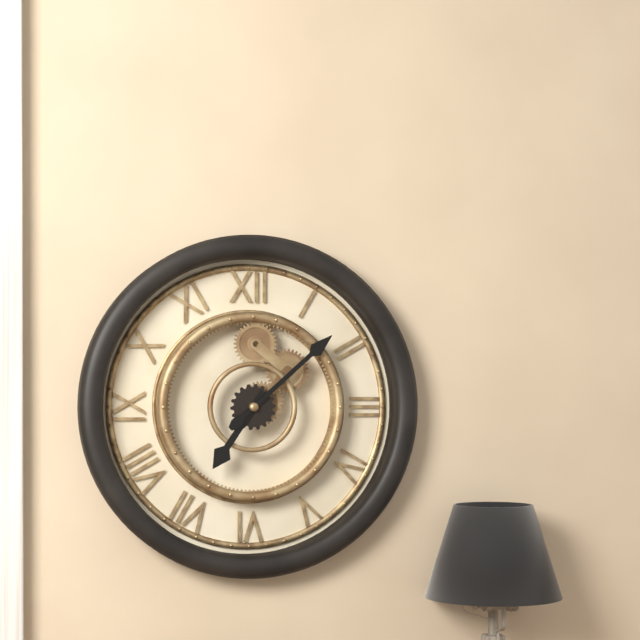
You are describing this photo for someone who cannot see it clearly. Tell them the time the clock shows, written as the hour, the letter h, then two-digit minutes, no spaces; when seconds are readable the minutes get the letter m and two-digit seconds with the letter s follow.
7h08
